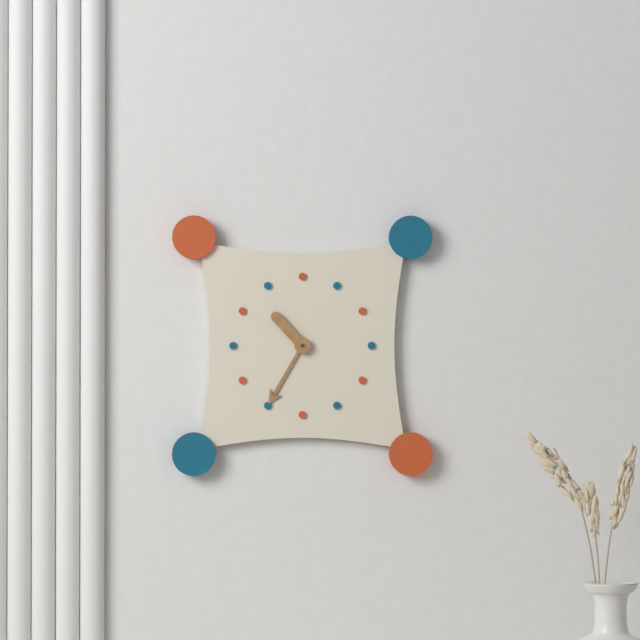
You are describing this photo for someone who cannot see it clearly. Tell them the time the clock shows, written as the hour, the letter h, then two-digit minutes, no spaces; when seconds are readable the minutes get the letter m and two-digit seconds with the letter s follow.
10h35
